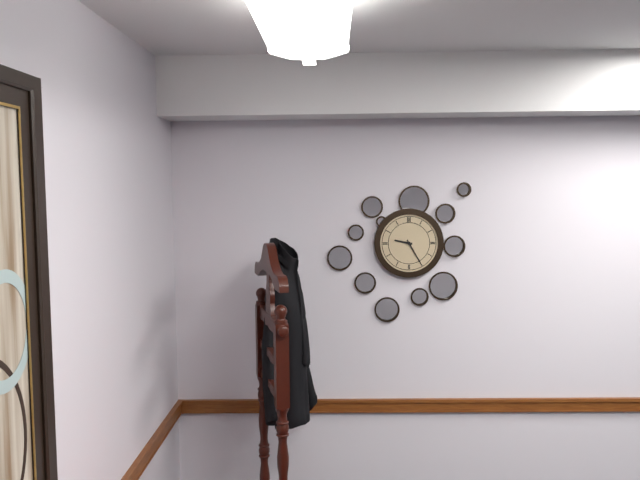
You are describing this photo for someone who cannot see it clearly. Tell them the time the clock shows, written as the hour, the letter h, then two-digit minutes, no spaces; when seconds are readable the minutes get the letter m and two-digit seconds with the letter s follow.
9h25
